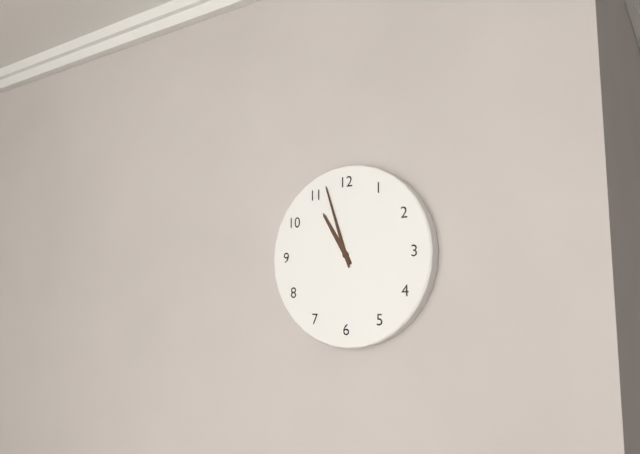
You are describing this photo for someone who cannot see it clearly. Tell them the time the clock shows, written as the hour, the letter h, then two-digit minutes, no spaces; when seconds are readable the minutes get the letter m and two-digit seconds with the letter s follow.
10h57
